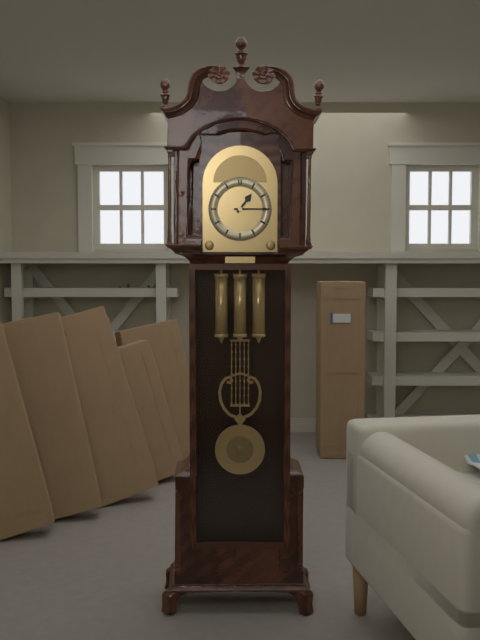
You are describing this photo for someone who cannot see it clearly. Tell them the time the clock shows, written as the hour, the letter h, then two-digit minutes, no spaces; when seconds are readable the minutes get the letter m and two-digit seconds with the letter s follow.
1h15
